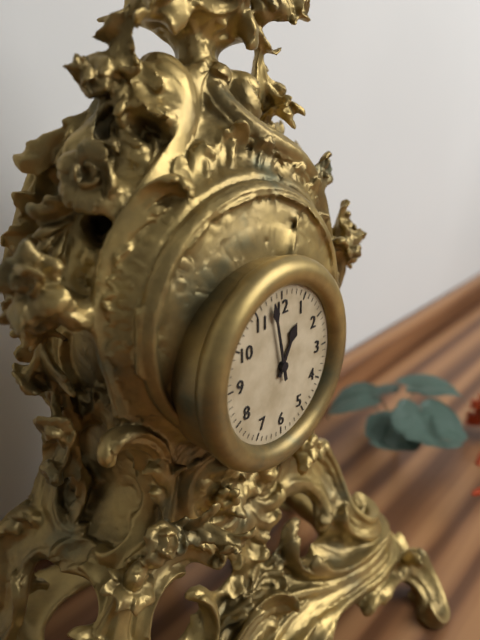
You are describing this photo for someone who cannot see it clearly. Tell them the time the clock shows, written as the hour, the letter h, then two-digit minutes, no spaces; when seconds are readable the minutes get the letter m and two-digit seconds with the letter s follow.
12h58
